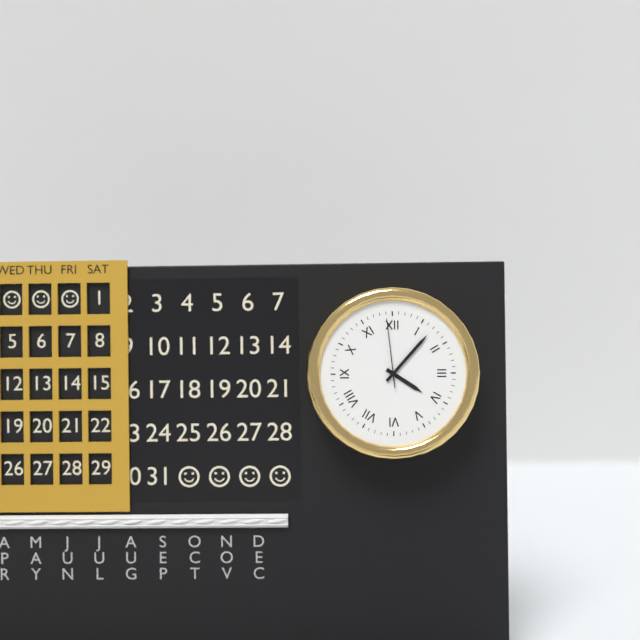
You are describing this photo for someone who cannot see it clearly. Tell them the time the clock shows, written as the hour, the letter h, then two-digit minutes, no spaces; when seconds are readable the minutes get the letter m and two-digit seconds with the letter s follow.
4h07m59s
